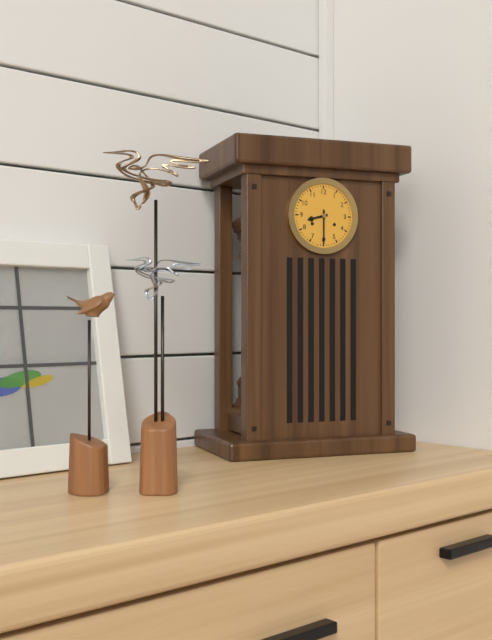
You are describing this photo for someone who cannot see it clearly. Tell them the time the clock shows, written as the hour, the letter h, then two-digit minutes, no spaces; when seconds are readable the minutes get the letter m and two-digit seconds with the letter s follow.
8h30
